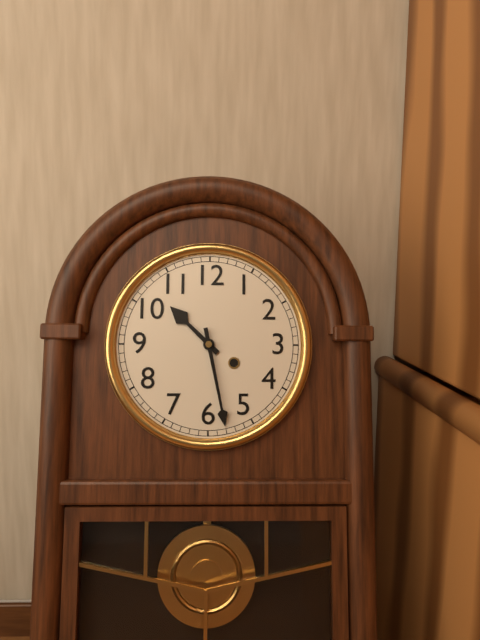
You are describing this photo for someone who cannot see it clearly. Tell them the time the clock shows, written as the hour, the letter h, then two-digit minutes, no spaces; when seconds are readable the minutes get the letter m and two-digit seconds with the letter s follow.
10h28
